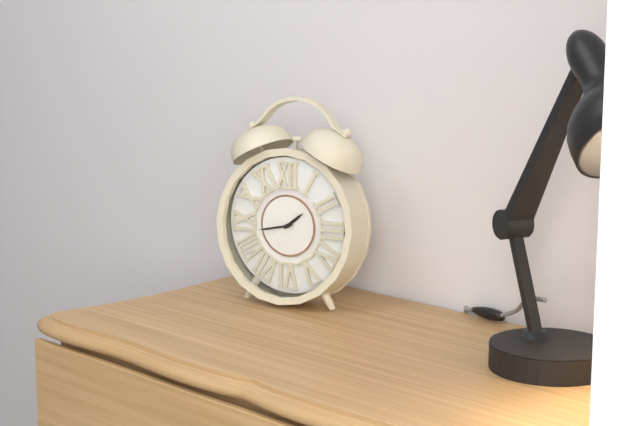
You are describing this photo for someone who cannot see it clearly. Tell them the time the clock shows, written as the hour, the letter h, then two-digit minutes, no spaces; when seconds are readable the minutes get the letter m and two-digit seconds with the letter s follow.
1h43
